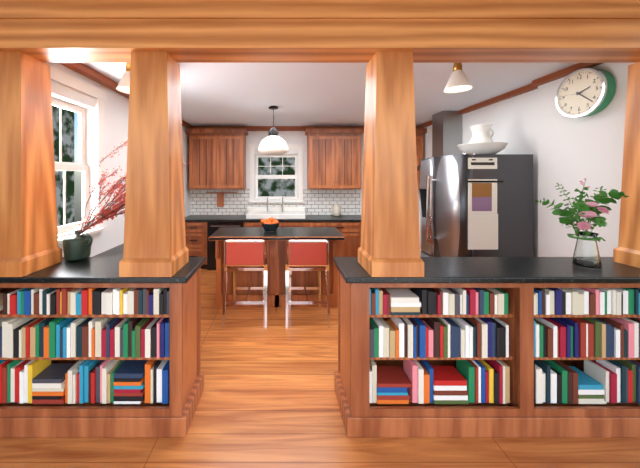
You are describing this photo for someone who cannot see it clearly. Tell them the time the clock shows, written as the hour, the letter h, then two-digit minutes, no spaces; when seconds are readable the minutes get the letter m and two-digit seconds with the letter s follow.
2h22
